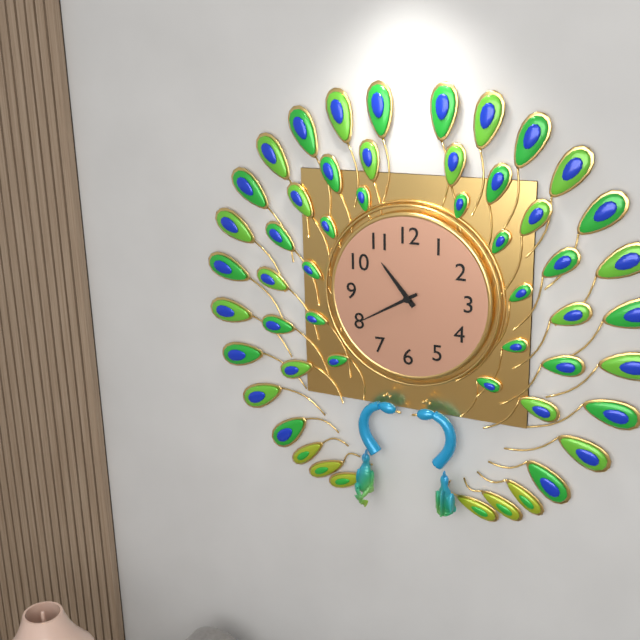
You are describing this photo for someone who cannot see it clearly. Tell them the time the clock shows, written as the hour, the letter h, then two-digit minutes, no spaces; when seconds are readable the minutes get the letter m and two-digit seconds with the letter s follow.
10h40
